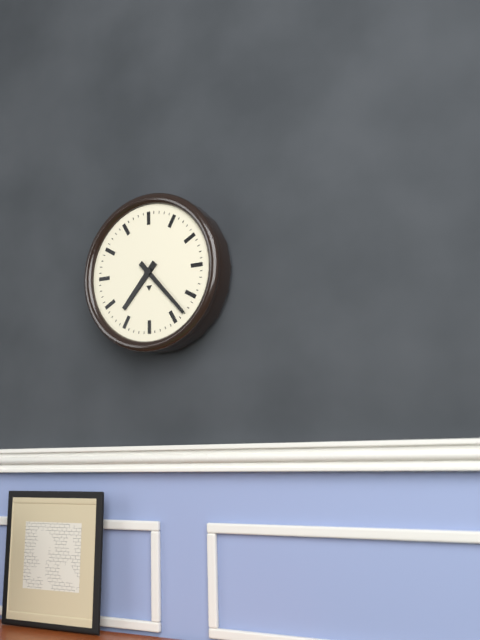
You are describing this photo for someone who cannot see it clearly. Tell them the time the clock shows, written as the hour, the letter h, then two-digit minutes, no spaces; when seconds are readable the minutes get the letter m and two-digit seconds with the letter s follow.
7h23
